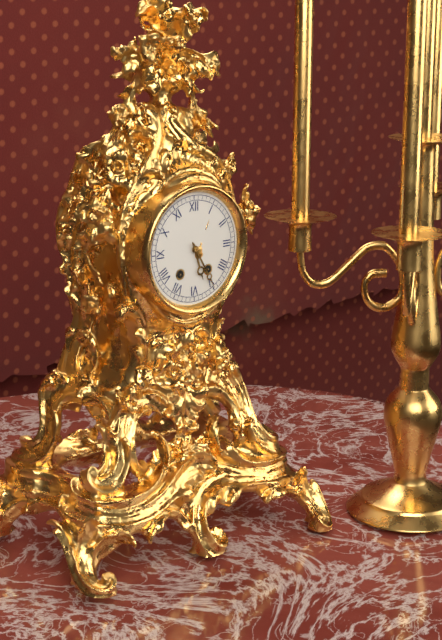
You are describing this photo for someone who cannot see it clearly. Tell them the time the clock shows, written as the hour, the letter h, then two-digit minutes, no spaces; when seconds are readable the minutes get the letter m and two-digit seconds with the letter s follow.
5h25
